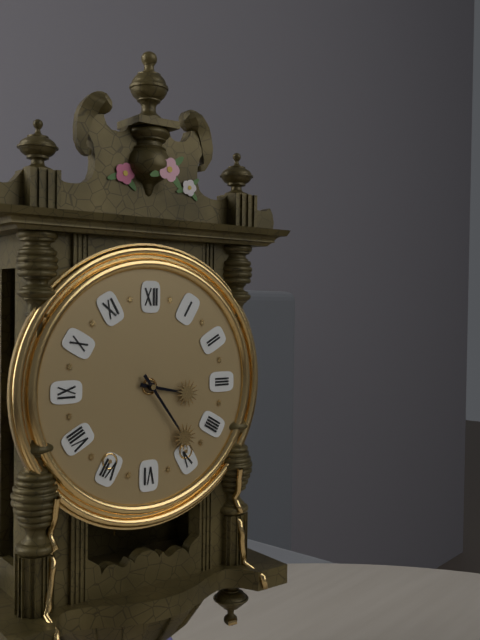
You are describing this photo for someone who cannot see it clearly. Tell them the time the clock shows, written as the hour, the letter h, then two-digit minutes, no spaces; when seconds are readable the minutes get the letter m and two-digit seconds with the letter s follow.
3h24
